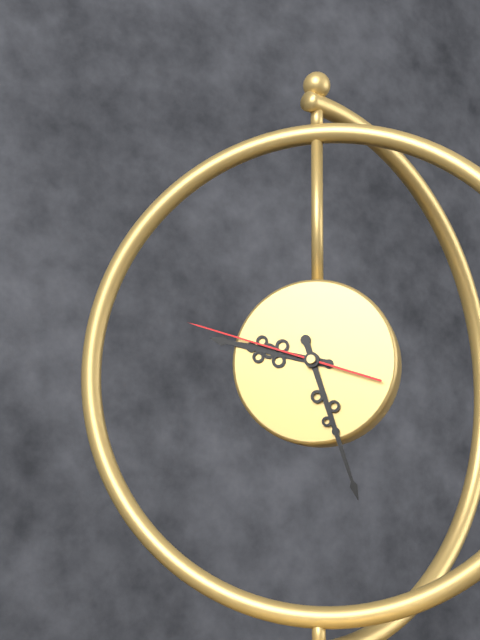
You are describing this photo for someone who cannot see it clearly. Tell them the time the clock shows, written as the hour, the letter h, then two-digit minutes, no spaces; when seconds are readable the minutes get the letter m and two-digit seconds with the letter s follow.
9h27m48s
